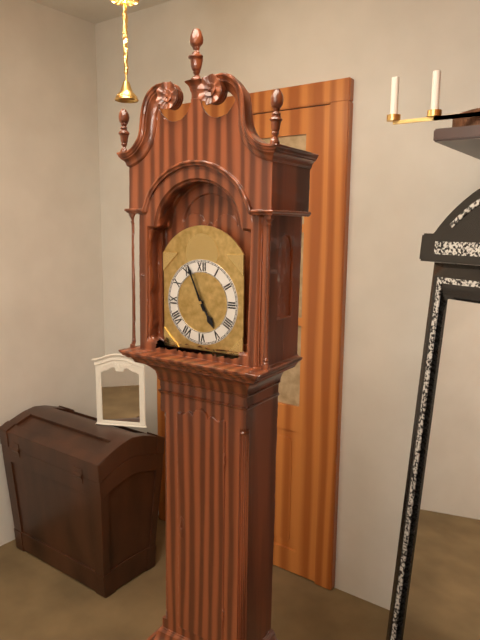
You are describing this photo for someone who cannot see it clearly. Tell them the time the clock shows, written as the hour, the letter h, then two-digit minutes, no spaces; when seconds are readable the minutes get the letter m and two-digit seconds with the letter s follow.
4h56
